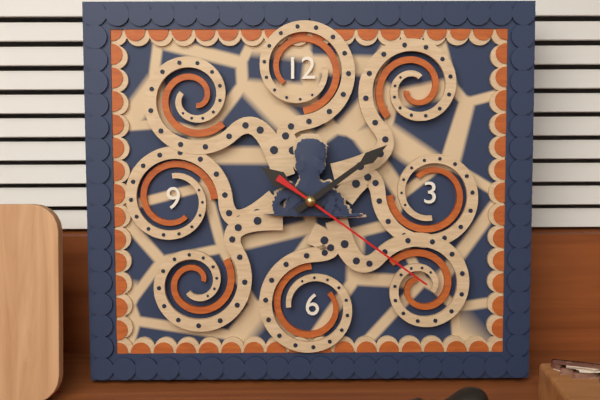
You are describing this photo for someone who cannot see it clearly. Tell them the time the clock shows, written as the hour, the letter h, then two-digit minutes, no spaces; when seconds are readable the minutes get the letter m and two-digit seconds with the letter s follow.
10h09m21s
